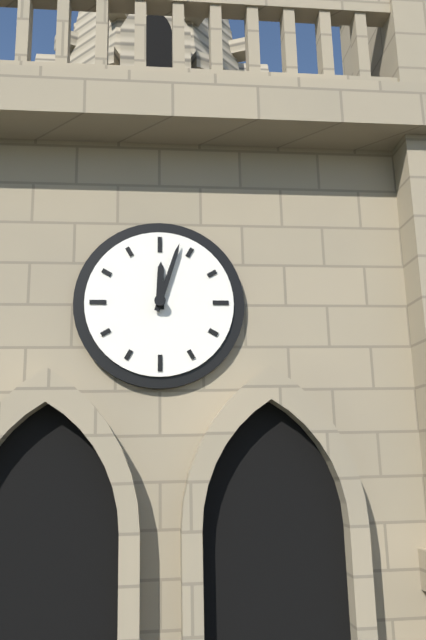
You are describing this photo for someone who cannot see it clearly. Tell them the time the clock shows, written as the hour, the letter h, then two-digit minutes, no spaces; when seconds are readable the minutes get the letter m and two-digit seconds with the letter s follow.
12h03
